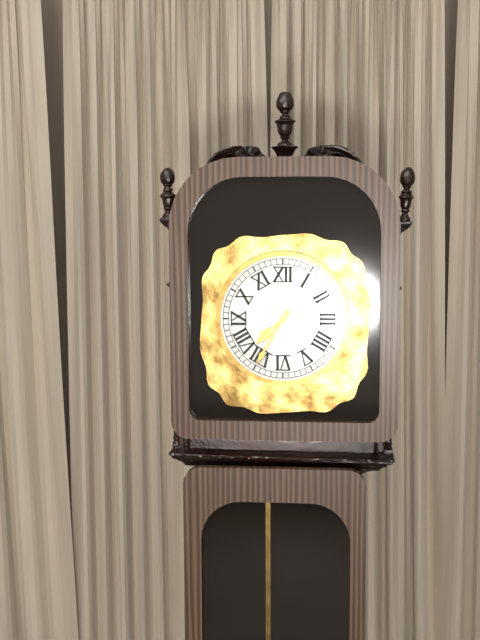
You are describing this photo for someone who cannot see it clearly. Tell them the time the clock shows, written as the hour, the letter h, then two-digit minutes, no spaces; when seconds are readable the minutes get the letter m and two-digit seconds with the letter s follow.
7h35
